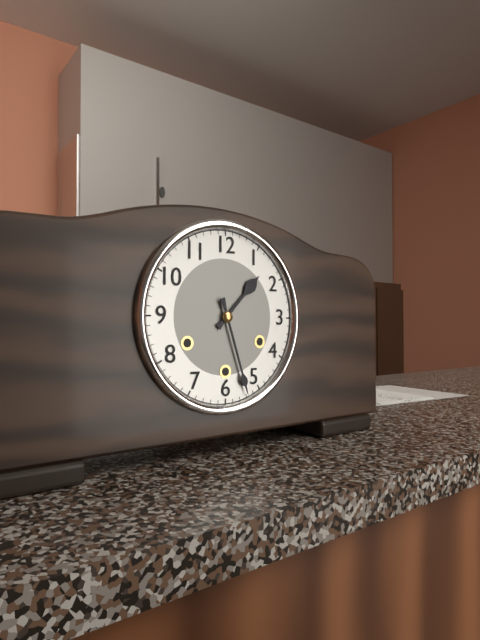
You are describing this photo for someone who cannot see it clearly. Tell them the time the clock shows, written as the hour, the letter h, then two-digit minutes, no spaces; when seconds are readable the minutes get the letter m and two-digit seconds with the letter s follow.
1h27
